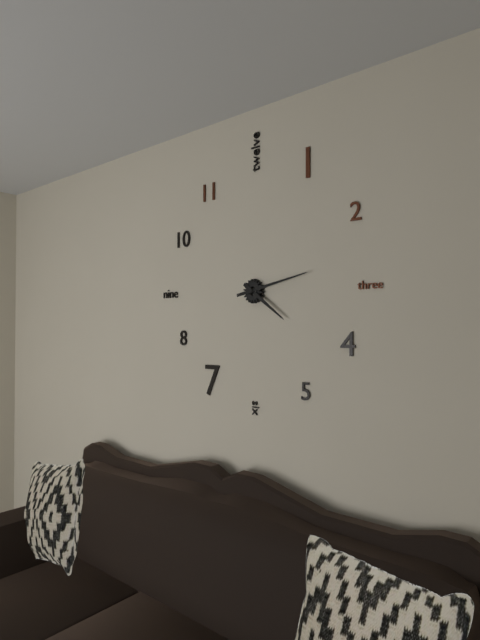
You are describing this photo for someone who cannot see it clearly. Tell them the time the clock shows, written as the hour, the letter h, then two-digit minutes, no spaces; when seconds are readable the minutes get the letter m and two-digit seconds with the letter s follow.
4h13
